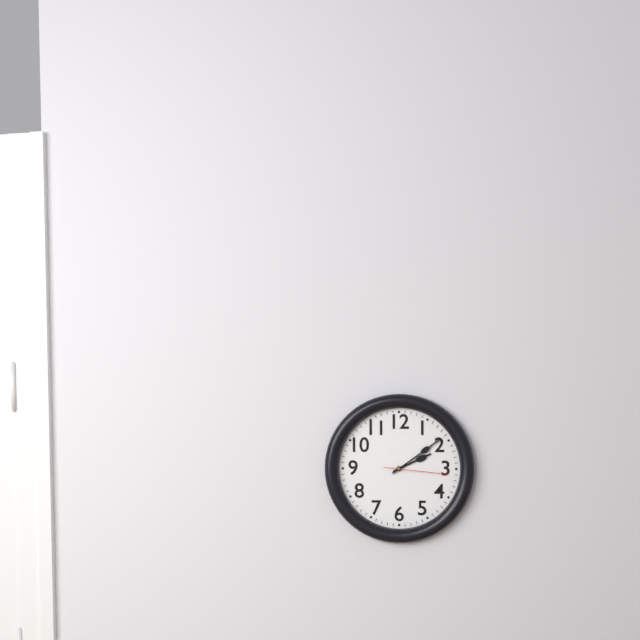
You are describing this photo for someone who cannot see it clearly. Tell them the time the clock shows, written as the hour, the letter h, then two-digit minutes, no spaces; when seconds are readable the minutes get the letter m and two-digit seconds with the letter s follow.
2h09m16s
